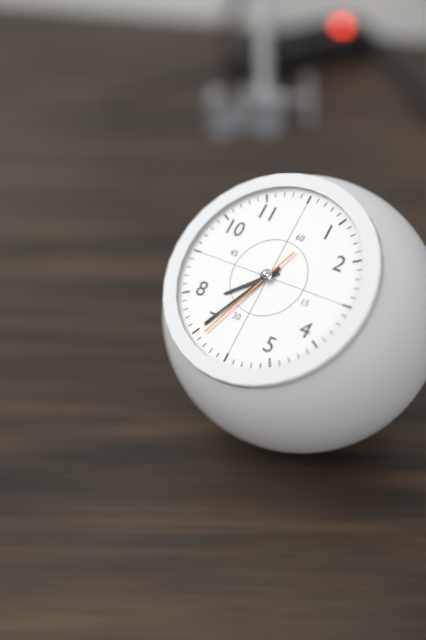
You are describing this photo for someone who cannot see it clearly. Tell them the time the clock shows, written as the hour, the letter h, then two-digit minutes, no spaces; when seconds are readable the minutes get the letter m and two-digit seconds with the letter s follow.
7h35m34s
